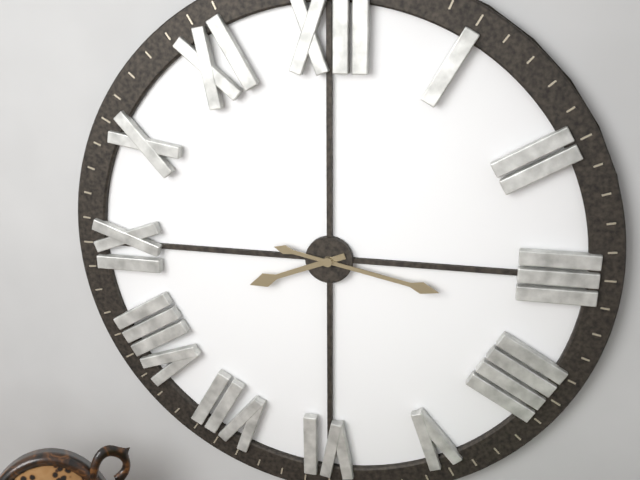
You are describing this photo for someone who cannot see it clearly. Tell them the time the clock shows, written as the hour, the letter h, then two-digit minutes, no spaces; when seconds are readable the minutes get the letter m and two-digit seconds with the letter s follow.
8h17
